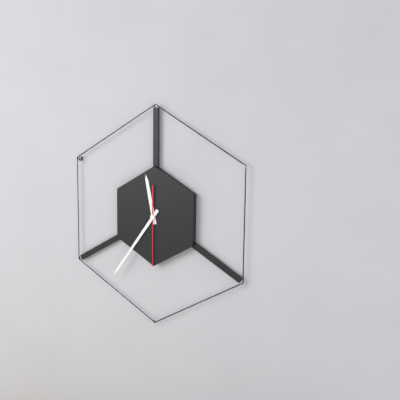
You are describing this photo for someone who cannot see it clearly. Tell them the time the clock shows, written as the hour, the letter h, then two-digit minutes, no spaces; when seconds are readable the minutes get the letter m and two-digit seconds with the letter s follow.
11h36m30s
